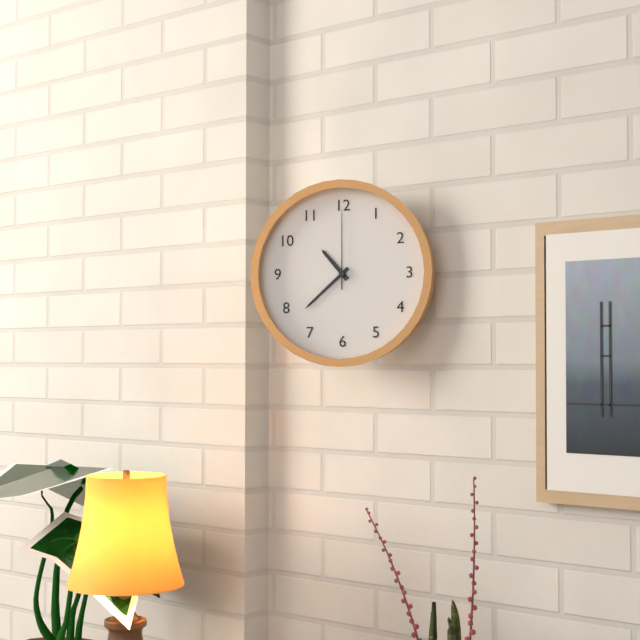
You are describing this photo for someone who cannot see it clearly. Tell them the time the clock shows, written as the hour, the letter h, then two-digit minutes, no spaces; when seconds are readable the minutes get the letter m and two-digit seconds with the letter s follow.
10h38m00s
